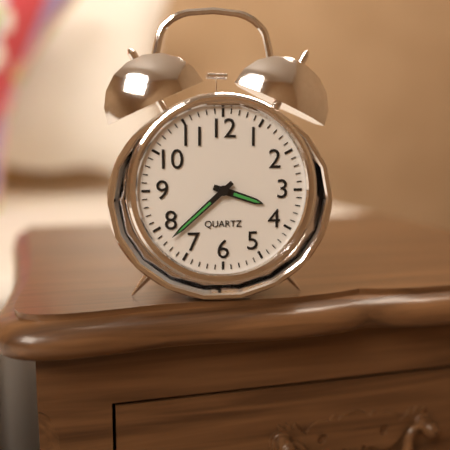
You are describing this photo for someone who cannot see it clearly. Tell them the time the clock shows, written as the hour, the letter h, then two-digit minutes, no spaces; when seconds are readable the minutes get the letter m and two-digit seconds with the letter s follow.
3h38
